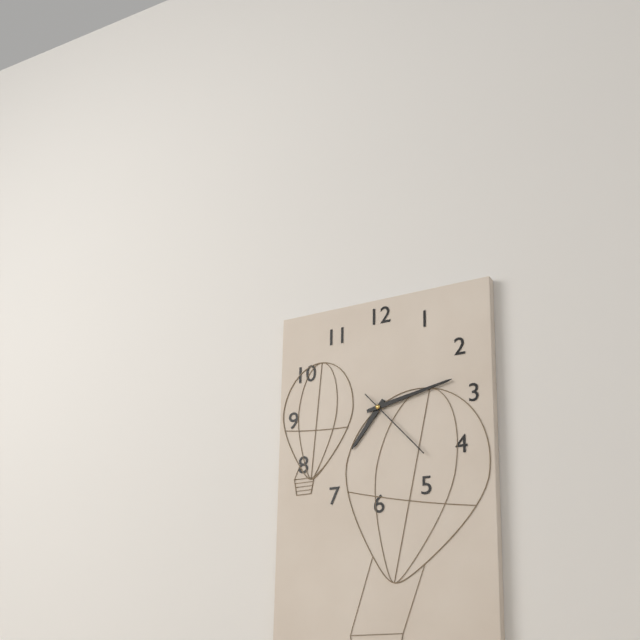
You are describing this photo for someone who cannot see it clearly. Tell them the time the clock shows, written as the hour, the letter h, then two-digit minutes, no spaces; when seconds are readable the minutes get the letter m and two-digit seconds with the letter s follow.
7h13m23s
